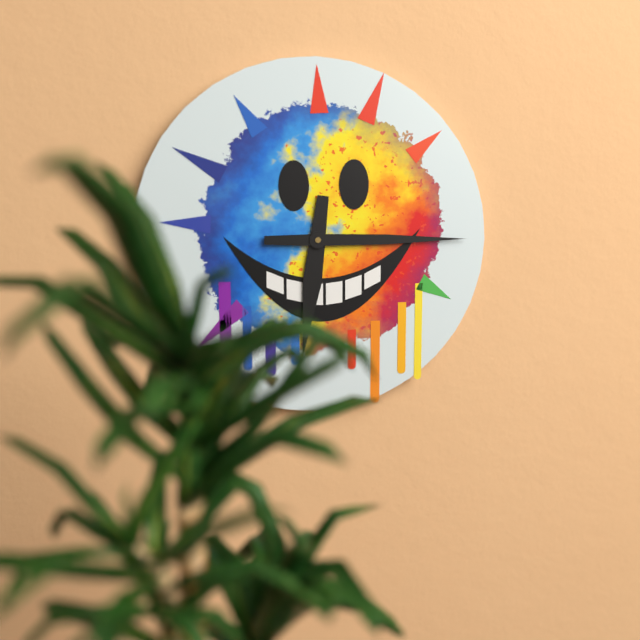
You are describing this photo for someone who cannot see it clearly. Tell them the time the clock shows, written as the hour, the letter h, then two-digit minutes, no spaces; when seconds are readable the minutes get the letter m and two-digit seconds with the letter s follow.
6h15
